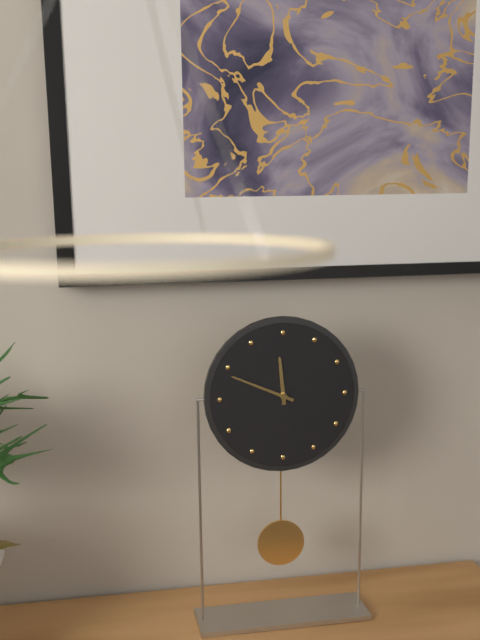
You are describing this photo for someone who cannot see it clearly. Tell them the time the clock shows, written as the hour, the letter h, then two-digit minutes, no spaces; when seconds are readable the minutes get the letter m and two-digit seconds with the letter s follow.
11h49
